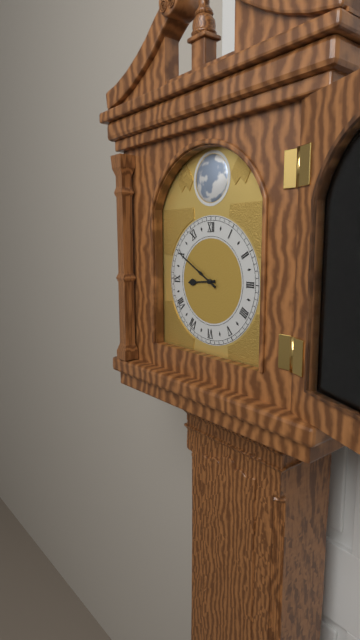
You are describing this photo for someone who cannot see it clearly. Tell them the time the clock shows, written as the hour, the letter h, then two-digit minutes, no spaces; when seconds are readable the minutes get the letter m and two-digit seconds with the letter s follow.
8h50
